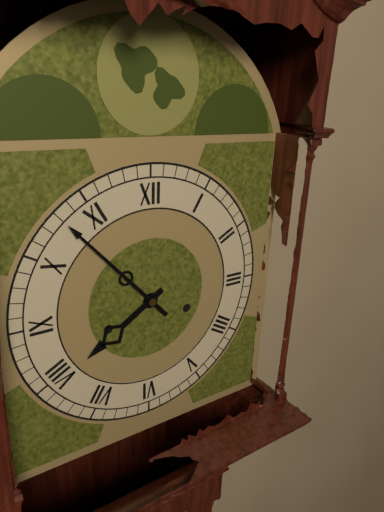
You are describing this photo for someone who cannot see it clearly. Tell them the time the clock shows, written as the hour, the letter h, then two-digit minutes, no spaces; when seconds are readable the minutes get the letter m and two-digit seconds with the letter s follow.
7h53
